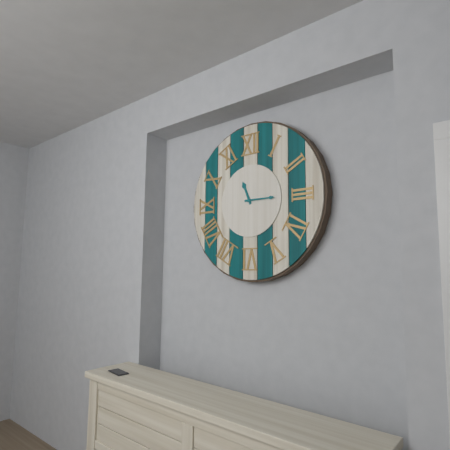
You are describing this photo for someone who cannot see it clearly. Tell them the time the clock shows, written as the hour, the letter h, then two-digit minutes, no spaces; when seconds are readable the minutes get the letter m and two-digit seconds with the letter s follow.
11h15
